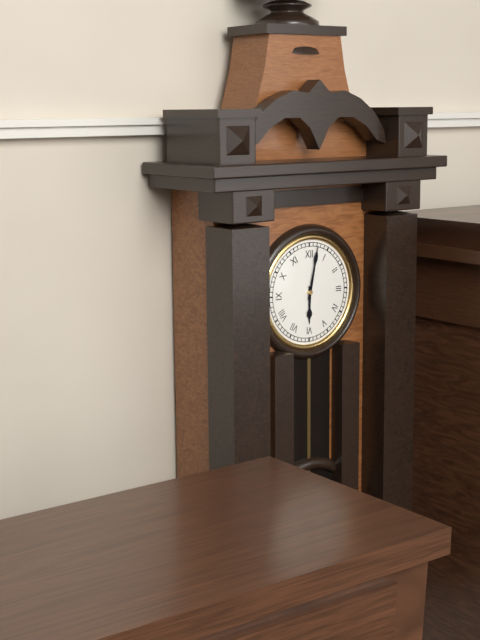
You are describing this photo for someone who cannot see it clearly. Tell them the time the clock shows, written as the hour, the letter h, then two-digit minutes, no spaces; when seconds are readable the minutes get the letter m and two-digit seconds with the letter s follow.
6h02
